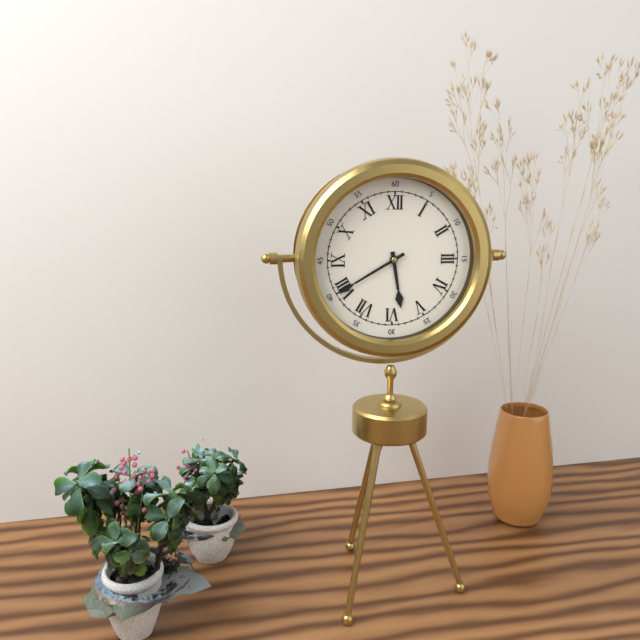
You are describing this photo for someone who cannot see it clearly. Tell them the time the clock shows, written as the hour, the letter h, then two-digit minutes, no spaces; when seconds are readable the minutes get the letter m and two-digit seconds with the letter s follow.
5h40
